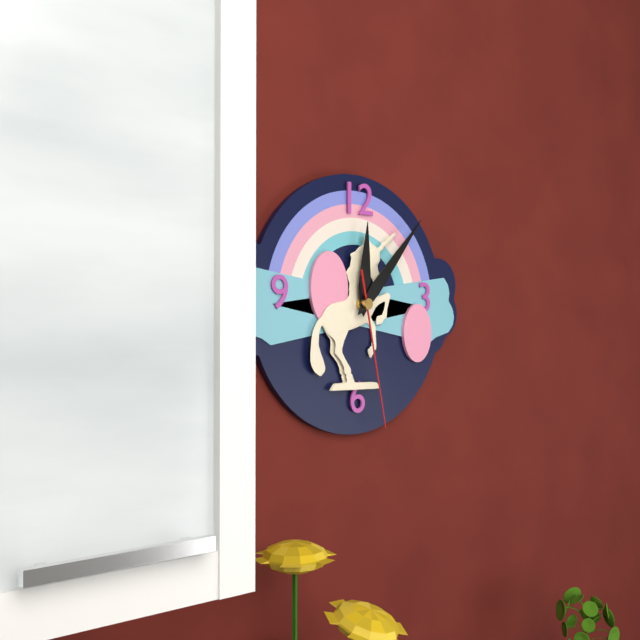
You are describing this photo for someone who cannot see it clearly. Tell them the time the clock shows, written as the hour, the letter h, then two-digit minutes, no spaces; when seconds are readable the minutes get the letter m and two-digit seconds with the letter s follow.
12h07m28s
